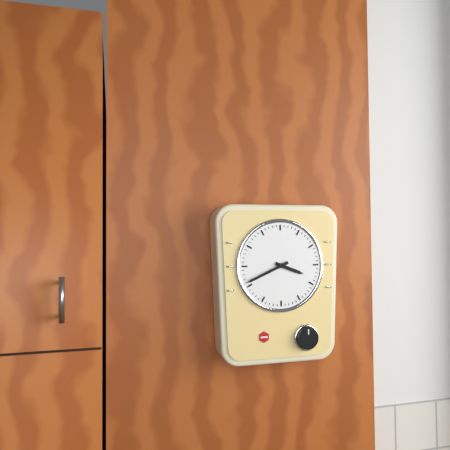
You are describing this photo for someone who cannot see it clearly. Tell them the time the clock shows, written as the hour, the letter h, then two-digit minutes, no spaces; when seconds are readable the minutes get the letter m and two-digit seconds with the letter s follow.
3h41
